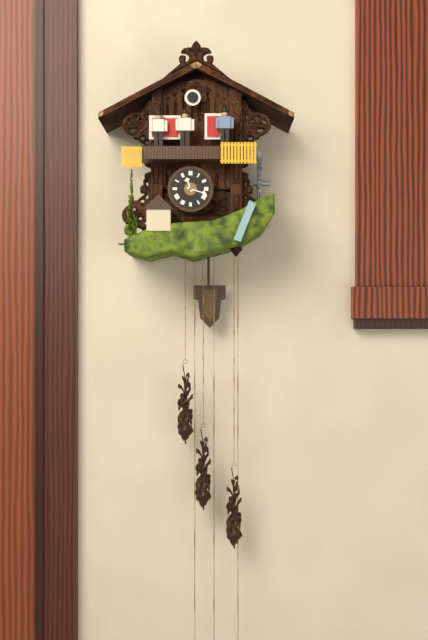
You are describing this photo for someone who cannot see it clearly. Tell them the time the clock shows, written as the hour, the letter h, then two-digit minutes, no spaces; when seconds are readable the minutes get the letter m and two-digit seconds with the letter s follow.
11h18
